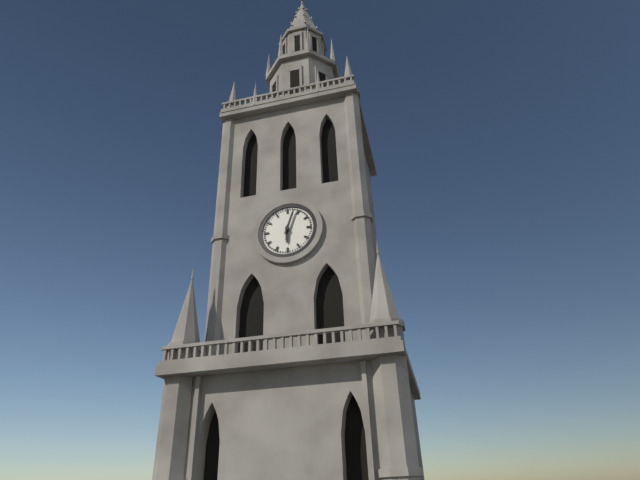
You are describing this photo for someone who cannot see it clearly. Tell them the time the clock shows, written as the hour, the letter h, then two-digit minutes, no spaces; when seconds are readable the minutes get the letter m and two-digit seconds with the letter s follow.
6h03
